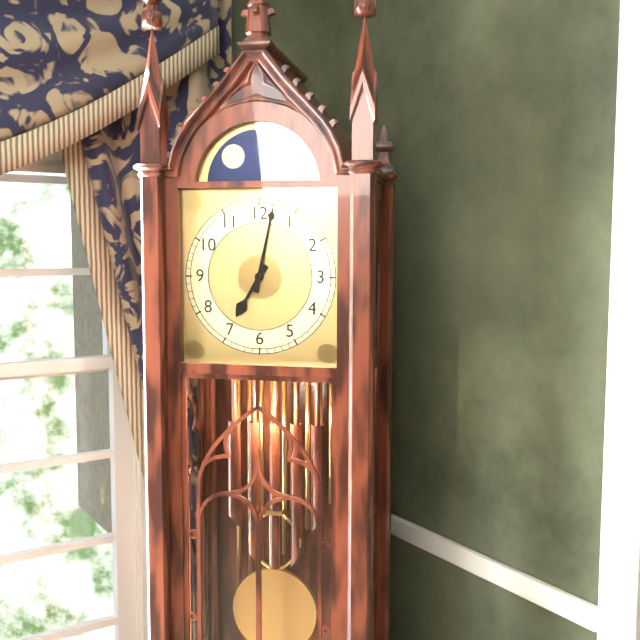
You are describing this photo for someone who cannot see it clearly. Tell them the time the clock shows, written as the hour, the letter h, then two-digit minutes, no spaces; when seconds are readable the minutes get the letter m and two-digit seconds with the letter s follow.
7h02
